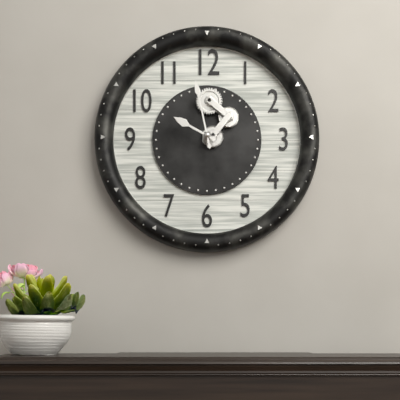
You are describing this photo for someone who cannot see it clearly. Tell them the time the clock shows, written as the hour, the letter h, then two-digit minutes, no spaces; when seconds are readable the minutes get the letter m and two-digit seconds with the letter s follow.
9h58
